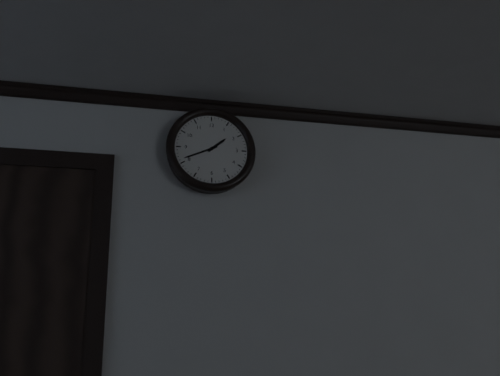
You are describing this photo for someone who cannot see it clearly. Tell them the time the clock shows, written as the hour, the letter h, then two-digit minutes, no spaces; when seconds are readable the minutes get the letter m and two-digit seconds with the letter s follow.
1h41
